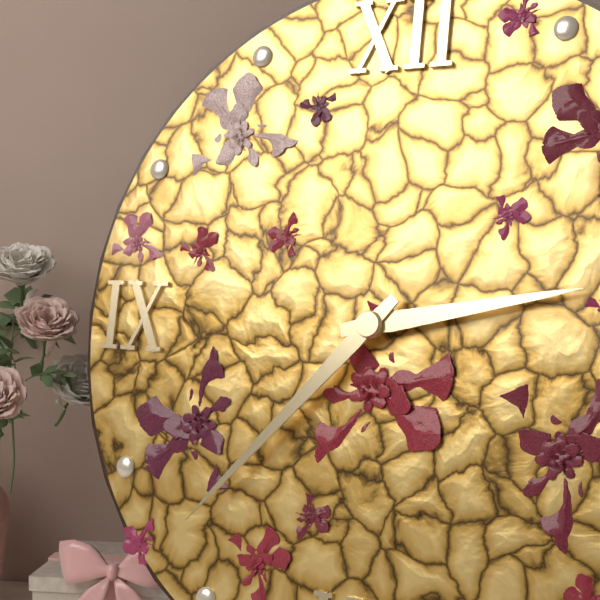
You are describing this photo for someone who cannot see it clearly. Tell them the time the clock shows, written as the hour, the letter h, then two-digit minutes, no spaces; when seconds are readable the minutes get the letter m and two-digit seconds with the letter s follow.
2h37
